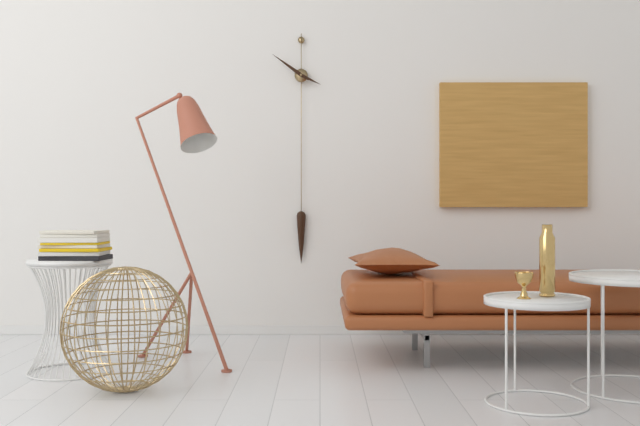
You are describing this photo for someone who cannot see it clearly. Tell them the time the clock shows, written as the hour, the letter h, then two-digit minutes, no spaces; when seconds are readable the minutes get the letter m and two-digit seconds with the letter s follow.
3h51
